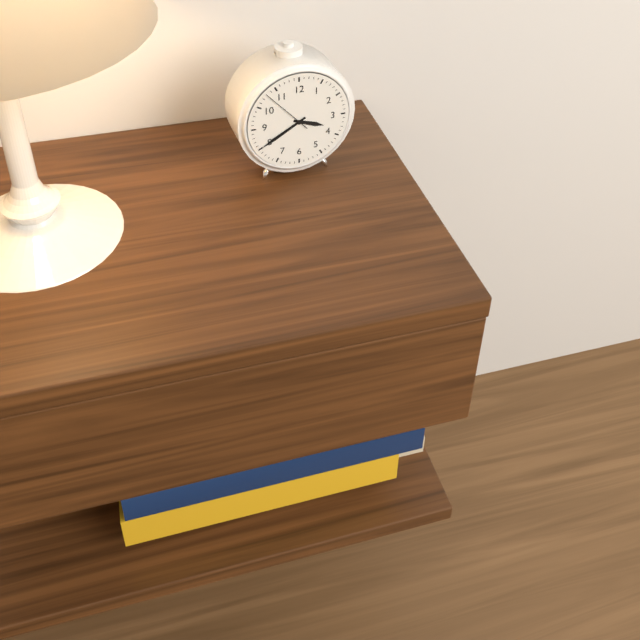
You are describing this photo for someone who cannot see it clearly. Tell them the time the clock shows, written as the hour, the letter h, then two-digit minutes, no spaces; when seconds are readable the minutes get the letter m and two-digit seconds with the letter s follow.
3h40m53s
